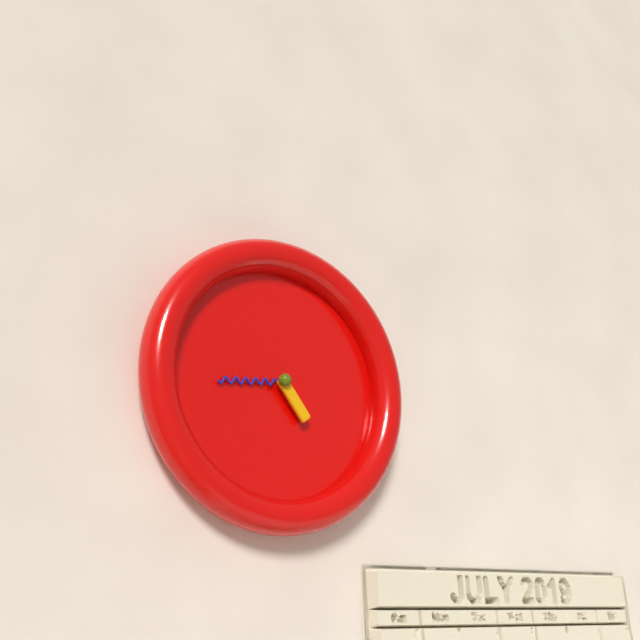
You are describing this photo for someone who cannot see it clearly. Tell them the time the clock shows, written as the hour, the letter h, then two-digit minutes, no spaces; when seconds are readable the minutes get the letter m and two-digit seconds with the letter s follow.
4h44
